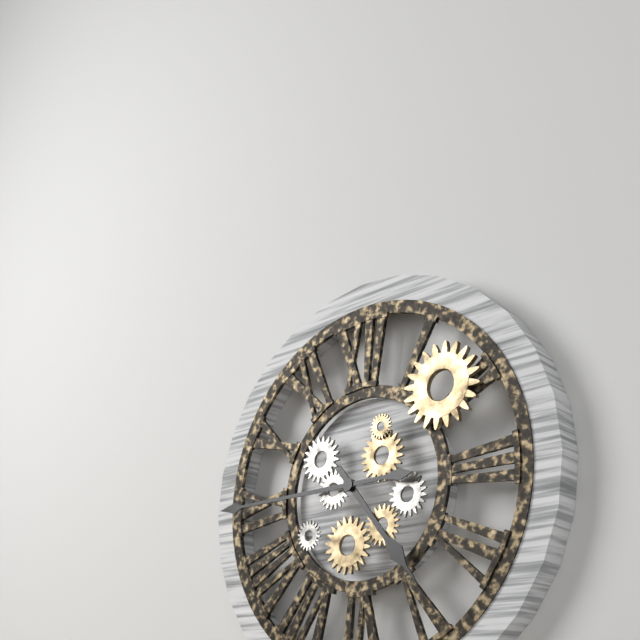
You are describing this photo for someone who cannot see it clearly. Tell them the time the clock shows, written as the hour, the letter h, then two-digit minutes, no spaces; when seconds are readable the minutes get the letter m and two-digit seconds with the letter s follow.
4h45
